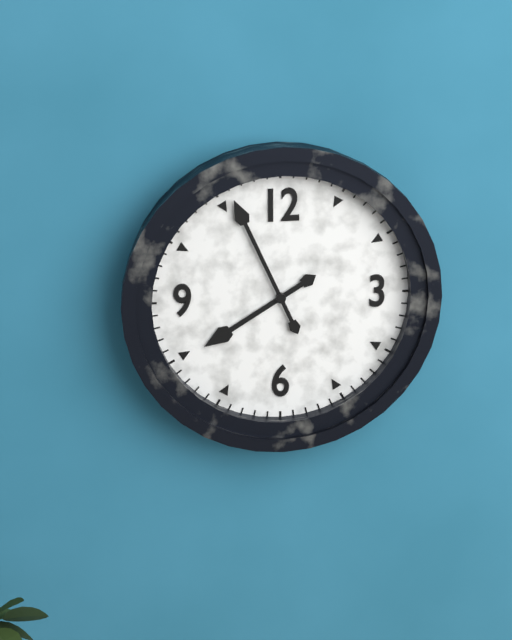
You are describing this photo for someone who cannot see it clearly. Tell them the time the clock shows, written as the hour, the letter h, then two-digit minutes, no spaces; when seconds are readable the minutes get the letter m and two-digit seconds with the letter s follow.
7h56
